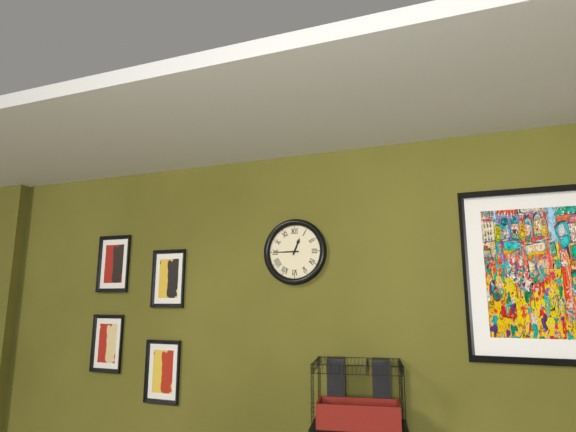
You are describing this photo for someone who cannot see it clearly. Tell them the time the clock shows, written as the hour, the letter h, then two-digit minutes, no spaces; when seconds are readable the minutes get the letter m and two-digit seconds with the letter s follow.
12h45
